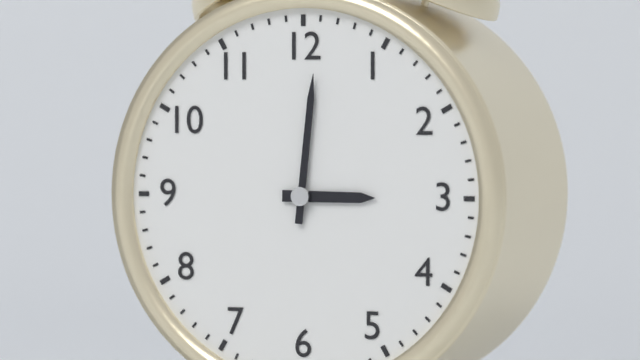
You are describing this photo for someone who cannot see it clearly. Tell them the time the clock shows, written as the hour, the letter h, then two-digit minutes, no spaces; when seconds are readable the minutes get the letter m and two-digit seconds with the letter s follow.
3h01
